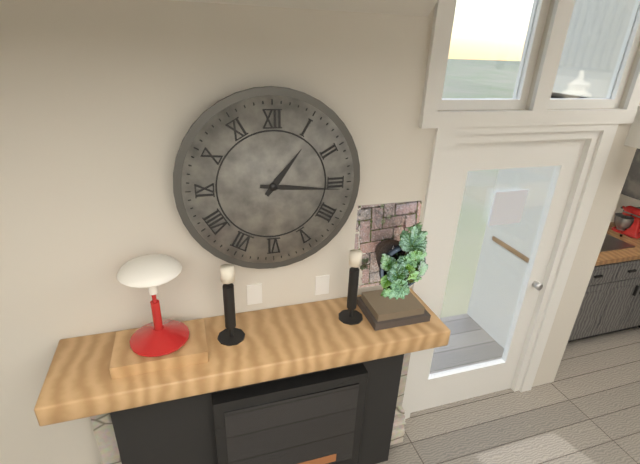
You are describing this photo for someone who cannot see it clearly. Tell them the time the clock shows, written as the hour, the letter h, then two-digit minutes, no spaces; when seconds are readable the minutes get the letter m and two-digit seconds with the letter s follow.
1h16
